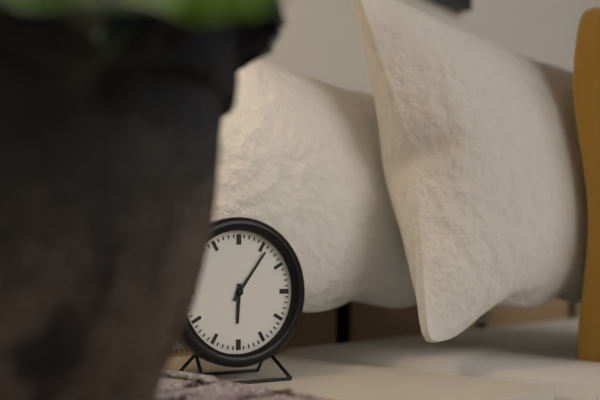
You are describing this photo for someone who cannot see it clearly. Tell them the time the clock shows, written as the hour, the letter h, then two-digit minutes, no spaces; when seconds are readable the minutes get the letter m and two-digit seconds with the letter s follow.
6h06
